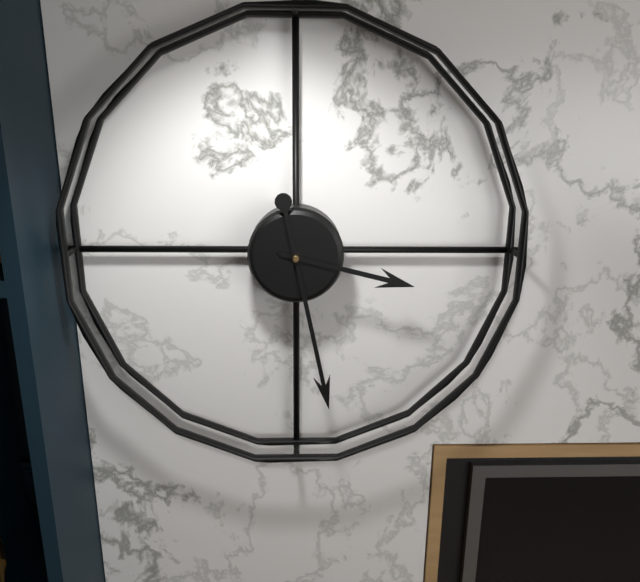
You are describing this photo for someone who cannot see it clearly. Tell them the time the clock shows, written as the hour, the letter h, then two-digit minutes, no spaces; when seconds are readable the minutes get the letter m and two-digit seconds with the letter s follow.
3h28
